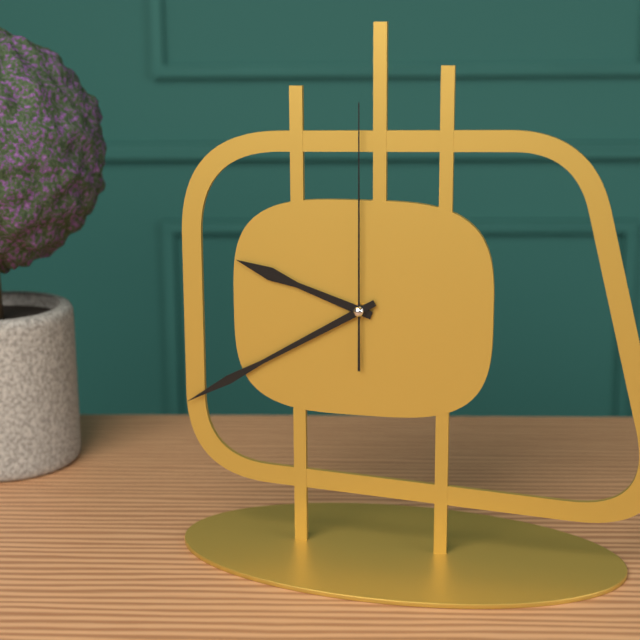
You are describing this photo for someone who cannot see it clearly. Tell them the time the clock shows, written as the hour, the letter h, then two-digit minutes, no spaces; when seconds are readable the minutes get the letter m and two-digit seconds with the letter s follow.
9h40m00s
